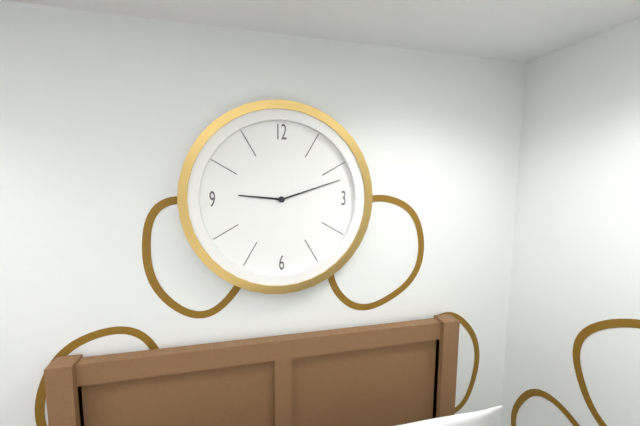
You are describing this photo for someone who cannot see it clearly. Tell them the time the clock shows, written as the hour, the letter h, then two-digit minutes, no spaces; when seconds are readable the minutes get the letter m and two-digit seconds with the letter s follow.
9h12
